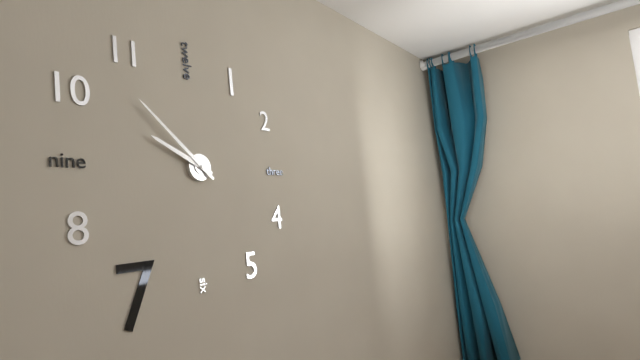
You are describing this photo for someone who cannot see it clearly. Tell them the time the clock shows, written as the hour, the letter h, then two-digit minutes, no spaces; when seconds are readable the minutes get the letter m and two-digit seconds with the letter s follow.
9h52
